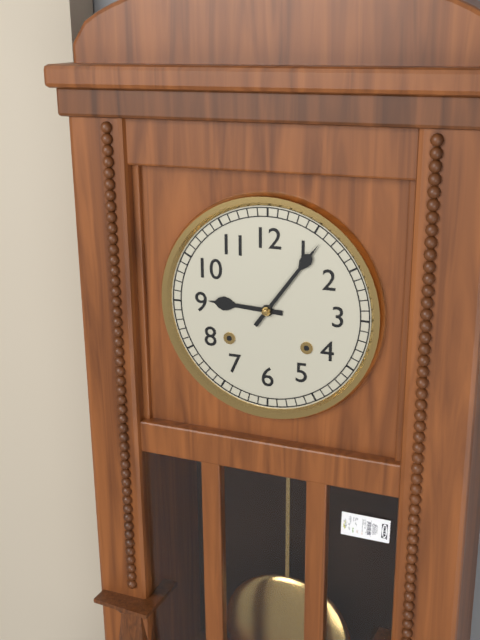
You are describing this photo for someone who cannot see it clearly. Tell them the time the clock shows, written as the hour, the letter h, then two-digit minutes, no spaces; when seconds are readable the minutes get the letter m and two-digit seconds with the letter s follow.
9h06
